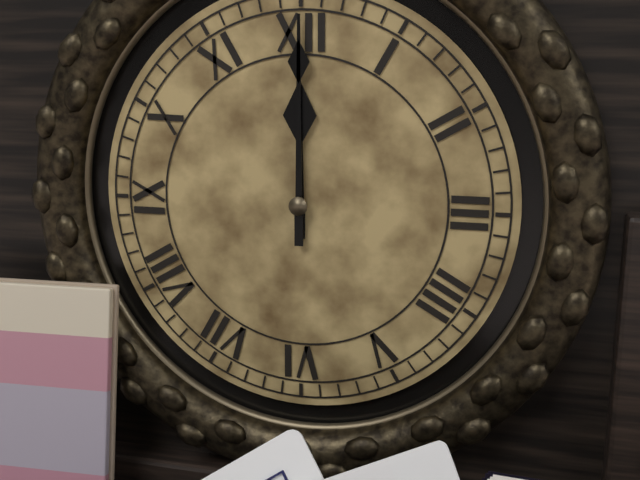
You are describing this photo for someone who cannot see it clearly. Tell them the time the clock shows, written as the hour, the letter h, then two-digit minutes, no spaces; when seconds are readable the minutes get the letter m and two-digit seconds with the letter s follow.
12h00
